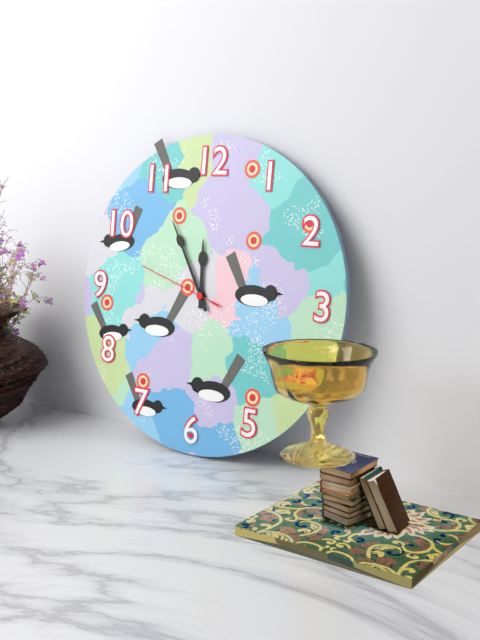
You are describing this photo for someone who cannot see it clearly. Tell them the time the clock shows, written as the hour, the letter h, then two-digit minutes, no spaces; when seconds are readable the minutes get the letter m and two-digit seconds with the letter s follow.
11h55m48s
